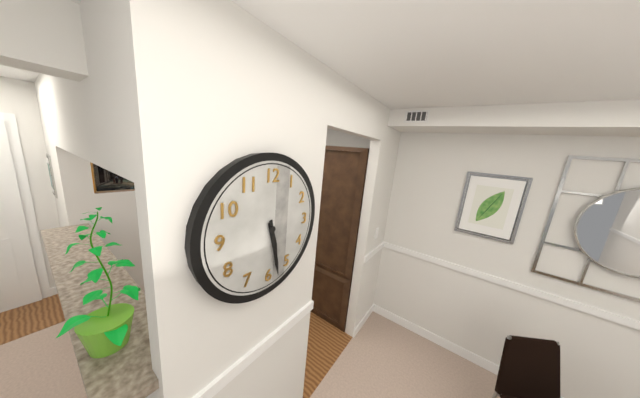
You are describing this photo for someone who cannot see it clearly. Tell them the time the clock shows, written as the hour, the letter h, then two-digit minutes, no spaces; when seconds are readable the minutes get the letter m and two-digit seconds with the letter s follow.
5h28
